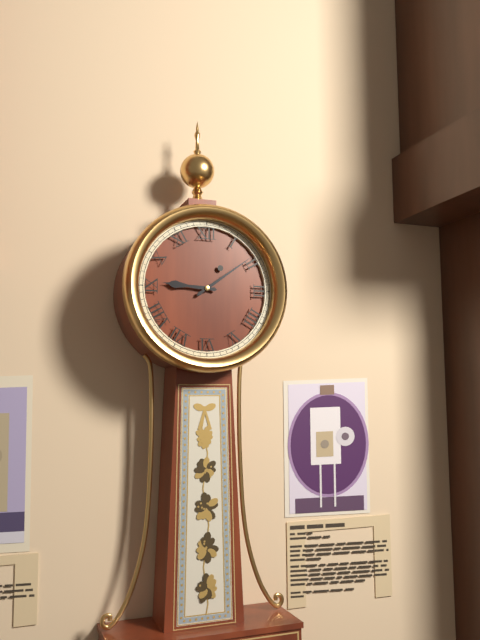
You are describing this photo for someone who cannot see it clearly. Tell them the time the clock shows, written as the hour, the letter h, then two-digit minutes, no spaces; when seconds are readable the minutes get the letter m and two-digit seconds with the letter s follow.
9h09
